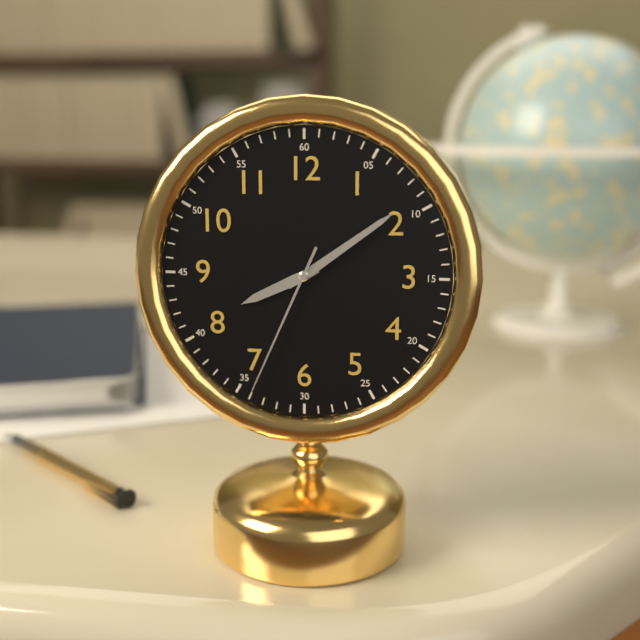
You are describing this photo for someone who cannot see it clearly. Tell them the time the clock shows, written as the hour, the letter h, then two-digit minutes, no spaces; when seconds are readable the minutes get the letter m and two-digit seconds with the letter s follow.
8h09m34s
